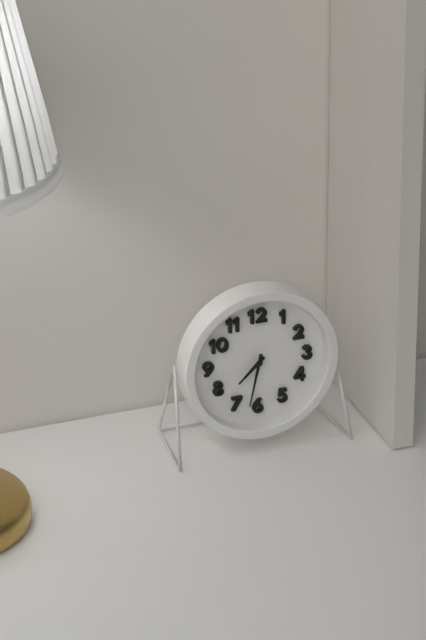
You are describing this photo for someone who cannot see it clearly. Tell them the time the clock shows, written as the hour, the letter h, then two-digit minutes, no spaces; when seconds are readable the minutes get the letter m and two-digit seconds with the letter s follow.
7h32
